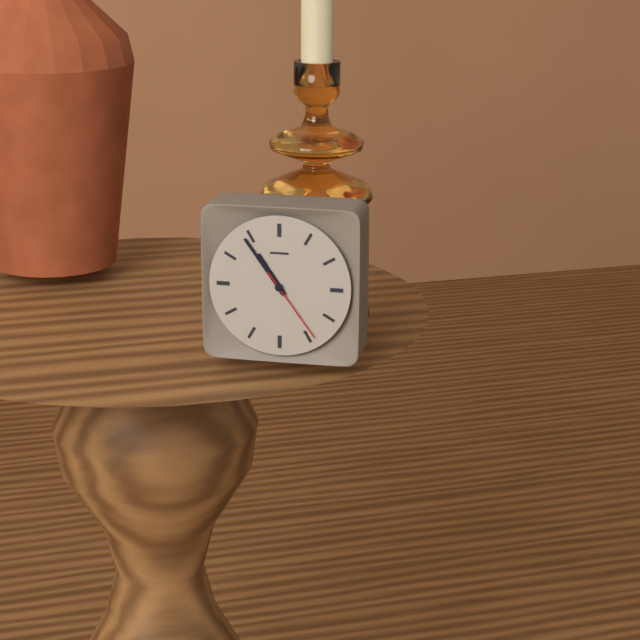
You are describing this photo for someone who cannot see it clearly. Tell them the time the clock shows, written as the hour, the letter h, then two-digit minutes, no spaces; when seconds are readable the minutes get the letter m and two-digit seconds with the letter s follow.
10h54m24s
